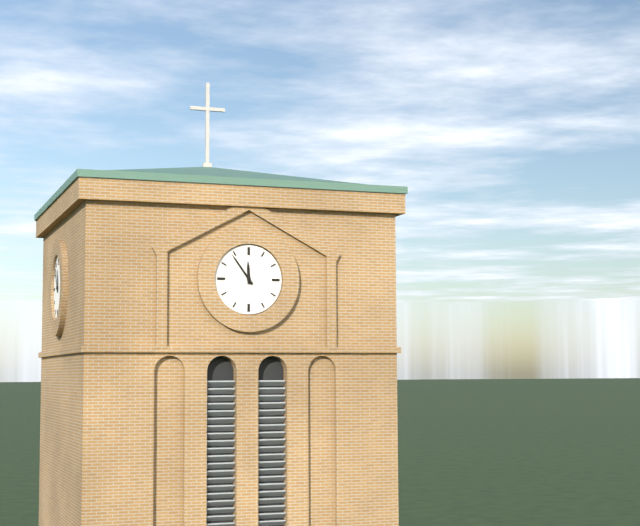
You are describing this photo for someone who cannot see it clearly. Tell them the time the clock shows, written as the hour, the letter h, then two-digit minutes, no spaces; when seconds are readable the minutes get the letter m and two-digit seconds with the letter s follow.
11h54
